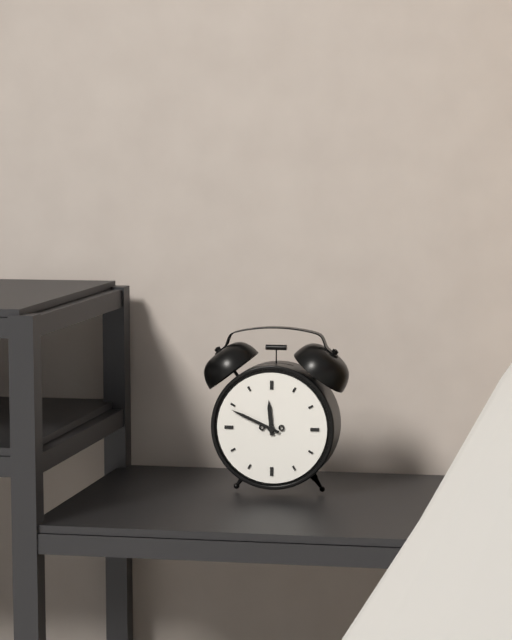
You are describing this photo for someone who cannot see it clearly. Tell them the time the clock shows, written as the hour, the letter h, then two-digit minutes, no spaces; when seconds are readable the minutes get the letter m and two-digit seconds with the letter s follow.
11h49
